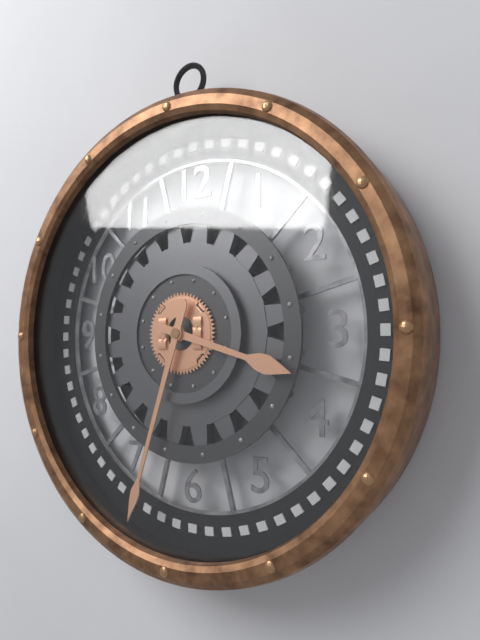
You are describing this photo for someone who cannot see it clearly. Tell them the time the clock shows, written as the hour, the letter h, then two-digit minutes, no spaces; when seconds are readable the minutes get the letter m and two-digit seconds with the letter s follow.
3h33
